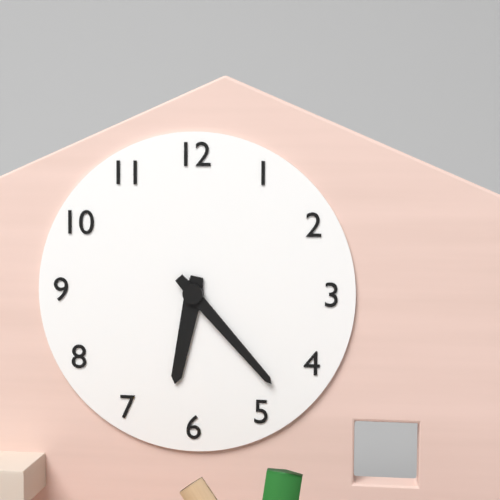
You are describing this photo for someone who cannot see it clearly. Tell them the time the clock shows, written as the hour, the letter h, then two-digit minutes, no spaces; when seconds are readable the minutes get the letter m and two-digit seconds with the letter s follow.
6h23
